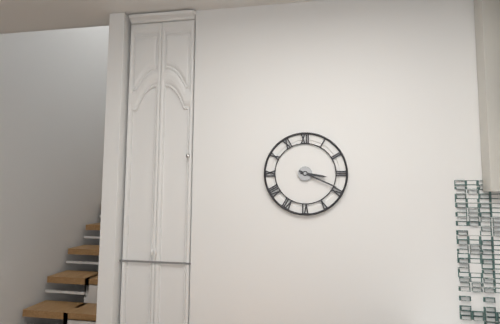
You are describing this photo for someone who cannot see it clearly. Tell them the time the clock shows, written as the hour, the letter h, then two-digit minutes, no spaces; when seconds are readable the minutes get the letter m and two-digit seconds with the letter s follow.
3h19
